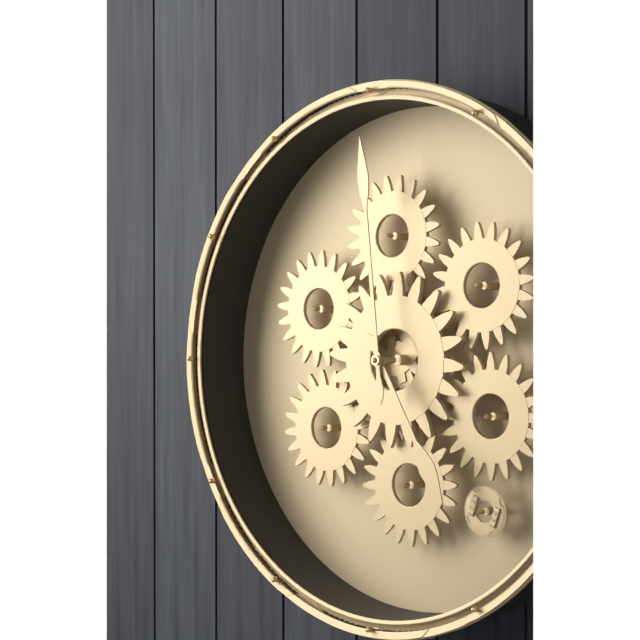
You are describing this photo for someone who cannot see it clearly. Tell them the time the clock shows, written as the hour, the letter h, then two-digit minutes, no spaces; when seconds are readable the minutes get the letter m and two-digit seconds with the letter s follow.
4h59
